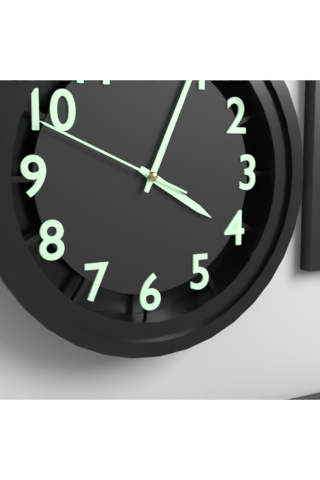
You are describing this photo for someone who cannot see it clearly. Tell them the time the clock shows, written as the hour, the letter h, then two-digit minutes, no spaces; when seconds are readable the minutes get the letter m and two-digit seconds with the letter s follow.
4h04m49s
